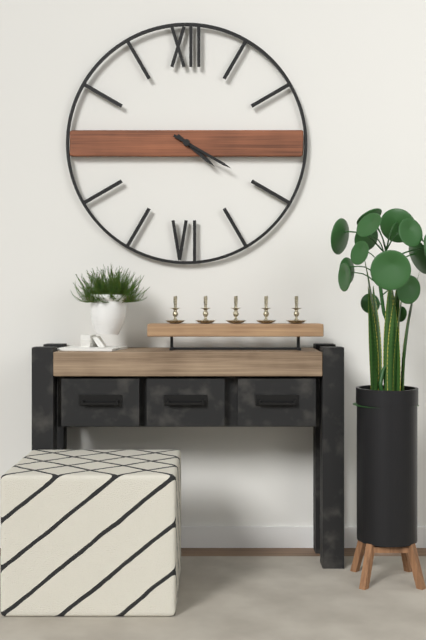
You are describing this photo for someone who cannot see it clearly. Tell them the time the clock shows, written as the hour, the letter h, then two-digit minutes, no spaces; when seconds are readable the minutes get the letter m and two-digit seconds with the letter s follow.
4h20
